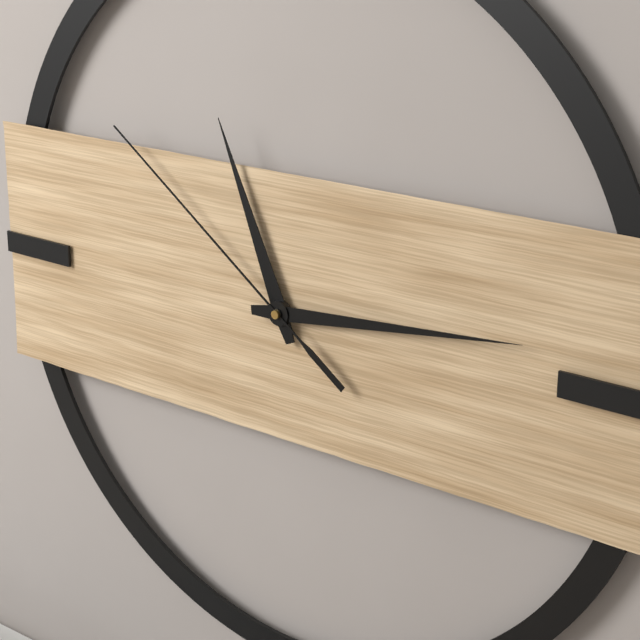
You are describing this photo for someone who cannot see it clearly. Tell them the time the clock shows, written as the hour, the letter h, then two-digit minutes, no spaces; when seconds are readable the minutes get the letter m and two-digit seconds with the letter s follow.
11h14m51s
